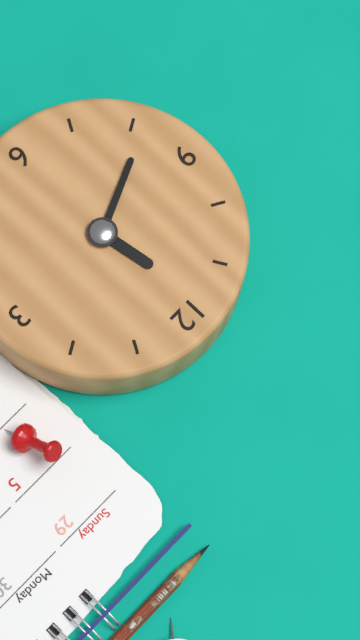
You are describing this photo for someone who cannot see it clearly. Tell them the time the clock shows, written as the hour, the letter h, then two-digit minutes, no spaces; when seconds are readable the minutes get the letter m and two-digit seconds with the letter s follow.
11h41
